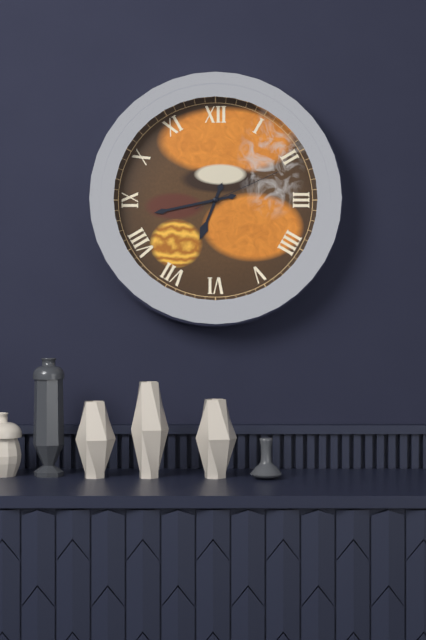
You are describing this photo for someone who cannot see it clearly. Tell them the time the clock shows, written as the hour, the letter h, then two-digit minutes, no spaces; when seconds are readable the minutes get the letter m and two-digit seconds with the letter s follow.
6h43m11s
